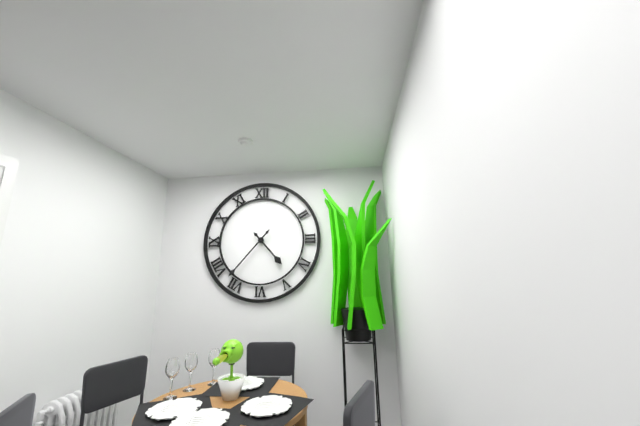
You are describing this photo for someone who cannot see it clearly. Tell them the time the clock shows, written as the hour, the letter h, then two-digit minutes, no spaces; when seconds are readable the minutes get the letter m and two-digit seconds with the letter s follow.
4h37
